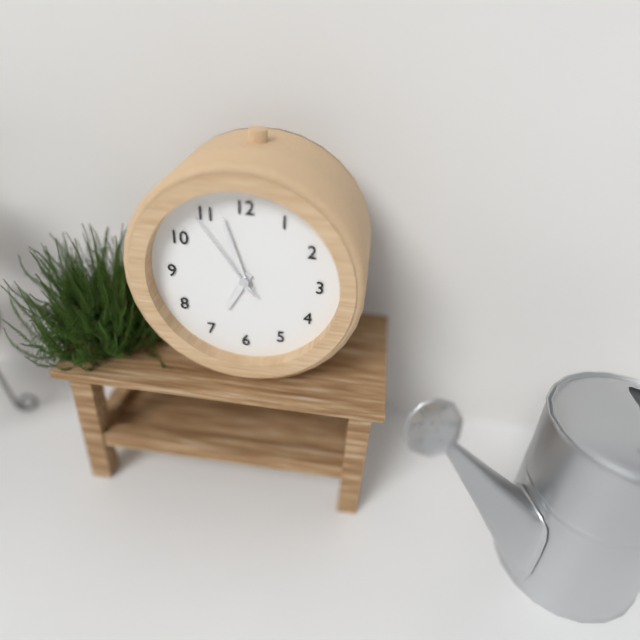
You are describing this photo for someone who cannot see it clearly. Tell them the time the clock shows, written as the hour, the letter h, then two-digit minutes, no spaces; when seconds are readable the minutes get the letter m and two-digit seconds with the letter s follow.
6h57m54s
